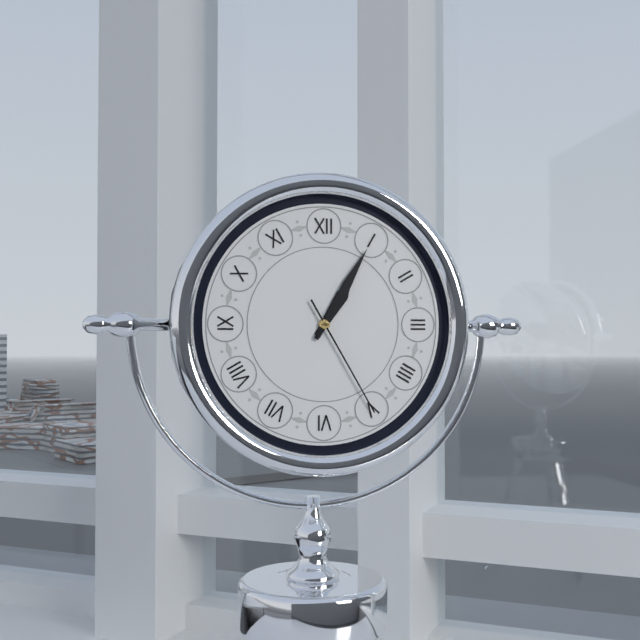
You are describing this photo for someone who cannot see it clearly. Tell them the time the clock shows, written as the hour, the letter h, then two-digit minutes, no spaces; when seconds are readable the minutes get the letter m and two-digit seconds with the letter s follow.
1h05m25s
